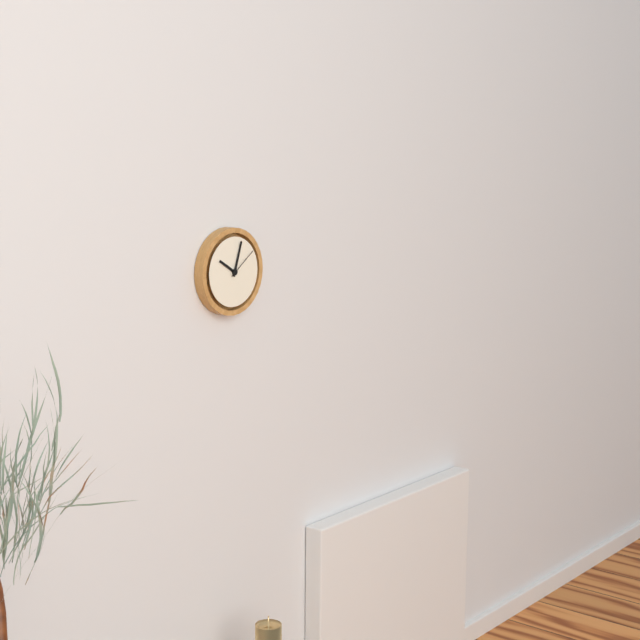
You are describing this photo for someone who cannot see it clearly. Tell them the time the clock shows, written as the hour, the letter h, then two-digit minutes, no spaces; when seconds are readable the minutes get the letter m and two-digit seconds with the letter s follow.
10h03
